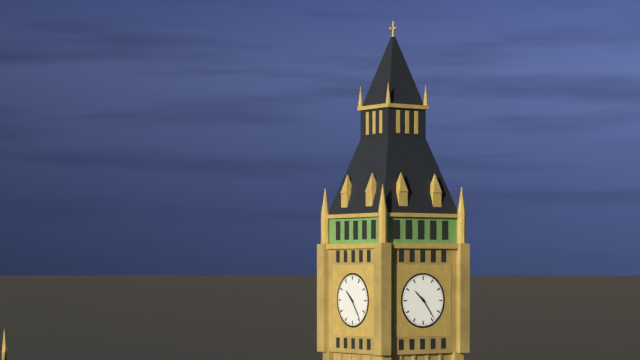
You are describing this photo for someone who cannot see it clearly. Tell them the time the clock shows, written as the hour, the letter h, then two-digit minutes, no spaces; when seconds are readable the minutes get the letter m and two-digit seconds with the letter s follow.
10h24
